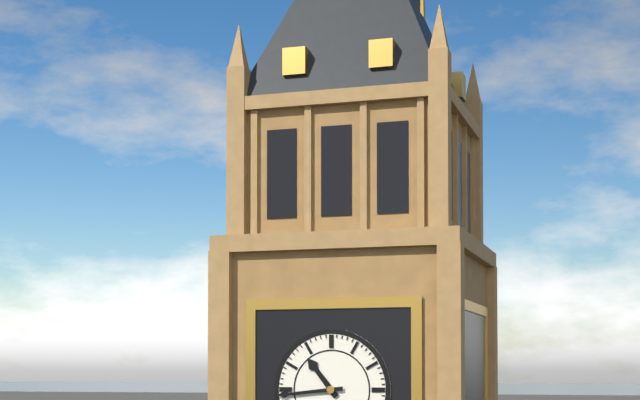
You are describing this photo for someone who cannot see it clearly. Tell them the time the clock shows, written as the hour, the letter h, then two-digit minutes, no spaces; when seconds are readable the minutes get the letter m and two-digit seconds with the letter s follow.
10h44
